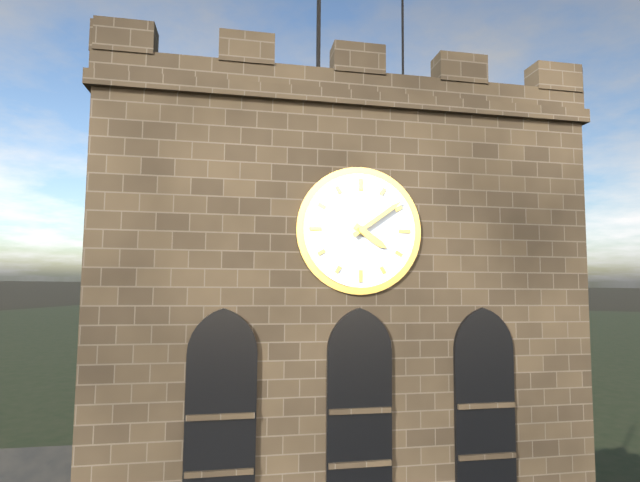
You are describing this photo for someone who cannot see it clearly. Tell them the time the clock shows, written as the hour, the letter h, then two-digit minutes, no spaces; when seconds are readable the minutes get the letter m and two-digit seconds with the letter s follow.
4h09
